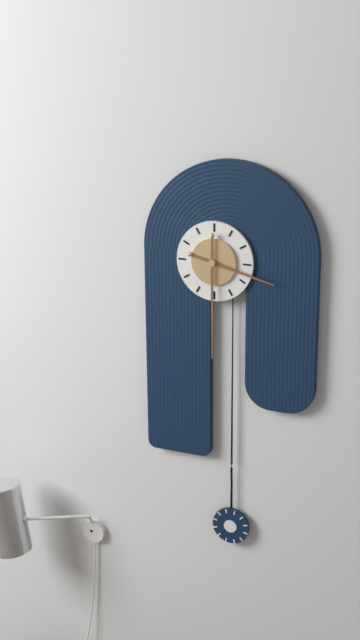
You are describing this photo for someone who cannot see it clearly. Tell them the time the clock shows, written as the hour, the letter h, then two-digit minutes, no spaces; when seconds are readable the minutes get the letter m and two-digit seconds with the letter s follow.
3h30
